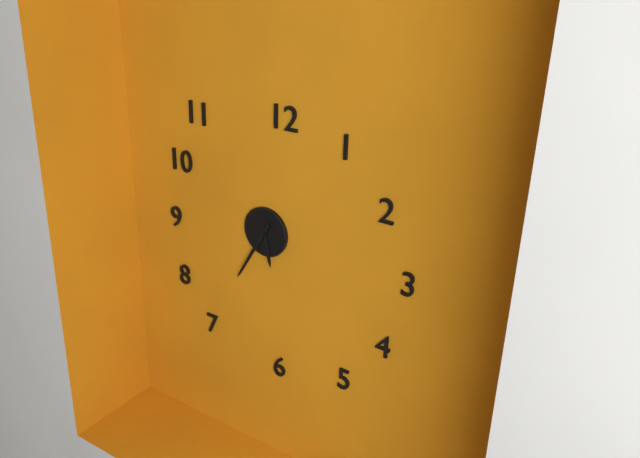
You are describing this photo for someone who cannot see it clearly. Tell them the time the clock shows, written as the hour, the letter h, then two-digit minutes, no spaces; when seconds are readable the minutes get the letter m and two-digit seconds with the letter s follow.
5h35
